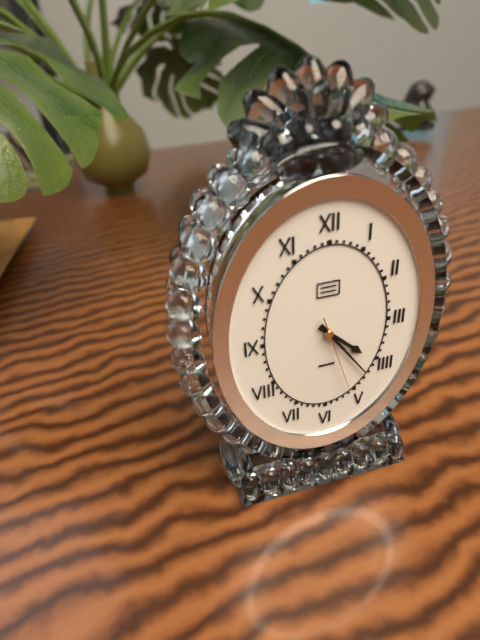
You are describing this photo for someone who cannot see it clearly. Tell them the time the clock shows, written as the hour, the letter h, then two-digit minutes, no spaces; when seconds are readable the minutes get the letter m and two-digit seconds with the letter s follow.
4h24m27s
